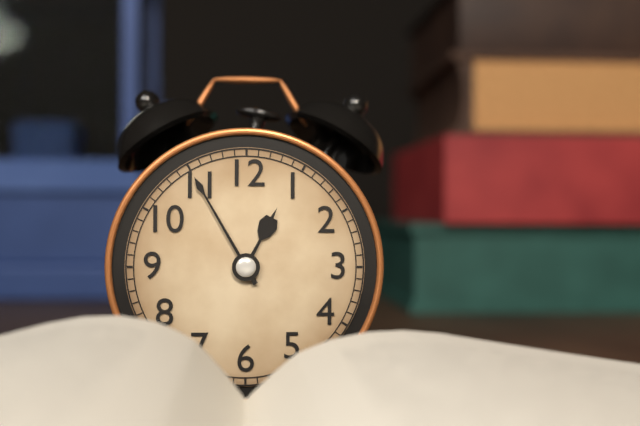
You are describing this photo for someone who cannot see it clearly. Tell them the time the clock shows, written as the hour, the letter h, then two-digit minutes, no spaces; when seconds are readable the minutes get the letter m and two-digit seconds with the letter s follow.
12h55
